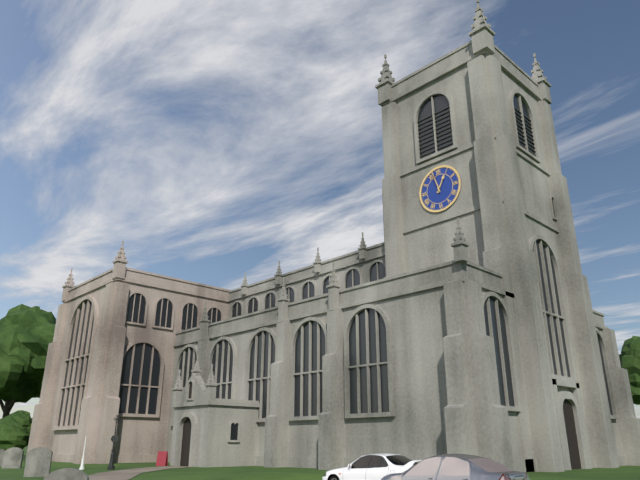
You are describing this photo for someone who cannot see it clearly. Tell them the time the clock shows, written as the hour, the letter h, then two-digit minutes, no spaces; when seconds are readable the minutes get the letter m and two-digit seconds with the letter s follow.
12h57
